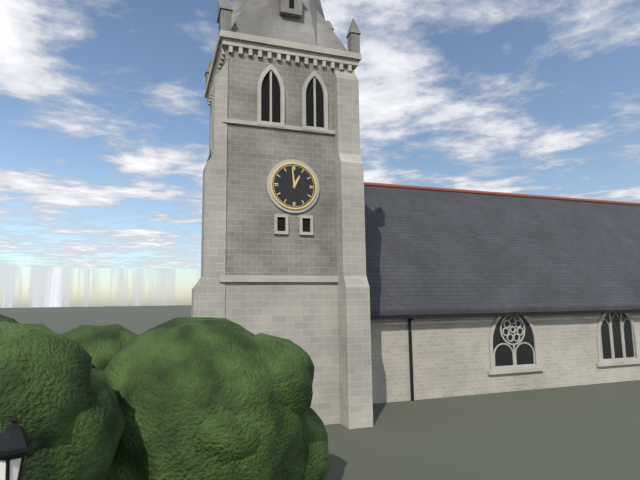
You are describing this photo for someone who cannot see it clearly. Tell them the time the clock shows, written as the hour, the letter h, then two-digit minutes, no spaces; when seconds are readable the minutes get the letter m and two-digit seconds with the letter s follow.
12h59
